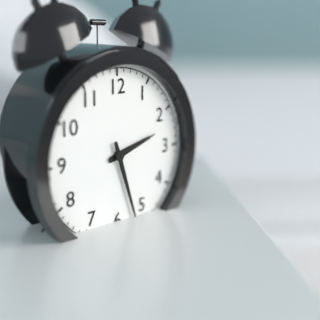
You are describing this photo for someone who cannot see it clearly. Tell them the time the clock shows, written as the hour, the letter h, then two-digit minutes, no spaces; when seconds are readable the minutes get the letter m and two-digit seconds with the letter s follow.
2h27
